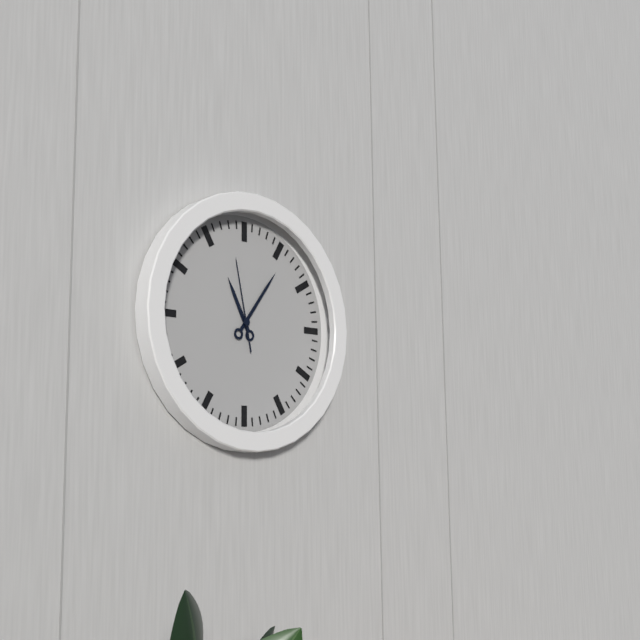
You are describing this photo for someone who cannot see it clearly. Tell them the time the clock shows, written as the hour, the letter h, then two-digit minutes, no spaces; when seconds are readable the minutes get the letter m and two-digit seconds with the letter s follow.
11h06m58s
